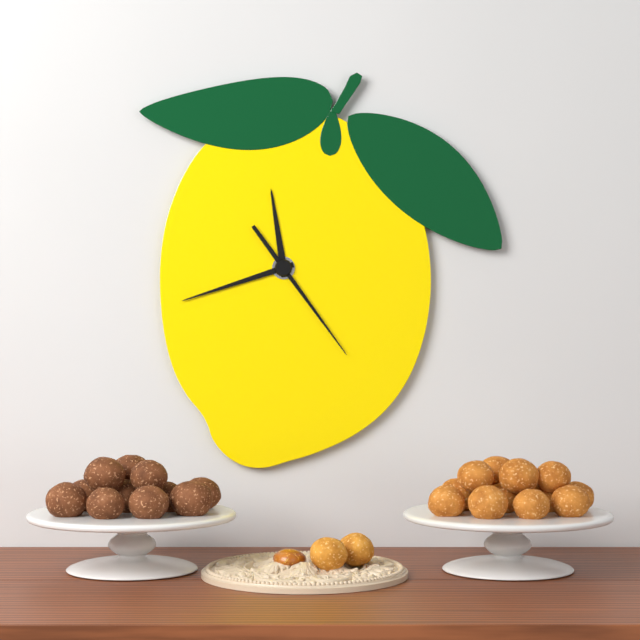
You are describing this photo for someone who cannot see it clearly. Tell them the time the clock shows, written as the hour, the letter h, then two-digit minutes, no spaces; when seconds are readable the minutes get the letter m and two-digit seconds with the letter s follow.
11h42m24s
